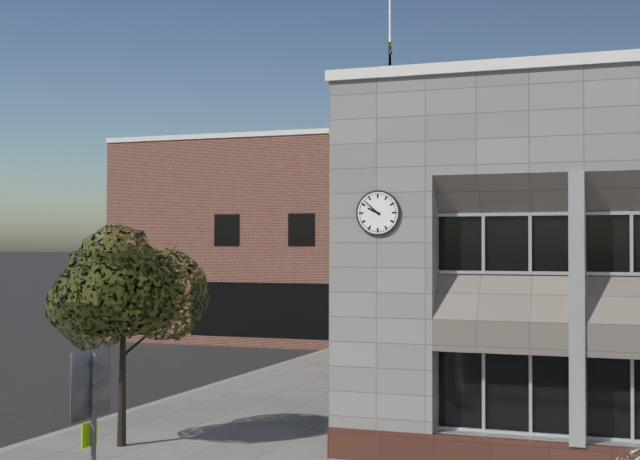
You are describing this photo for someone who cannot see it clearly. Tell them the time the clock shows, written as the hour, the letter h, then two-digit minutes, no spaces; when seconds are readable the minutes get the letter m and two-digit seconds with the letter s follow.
9h52
